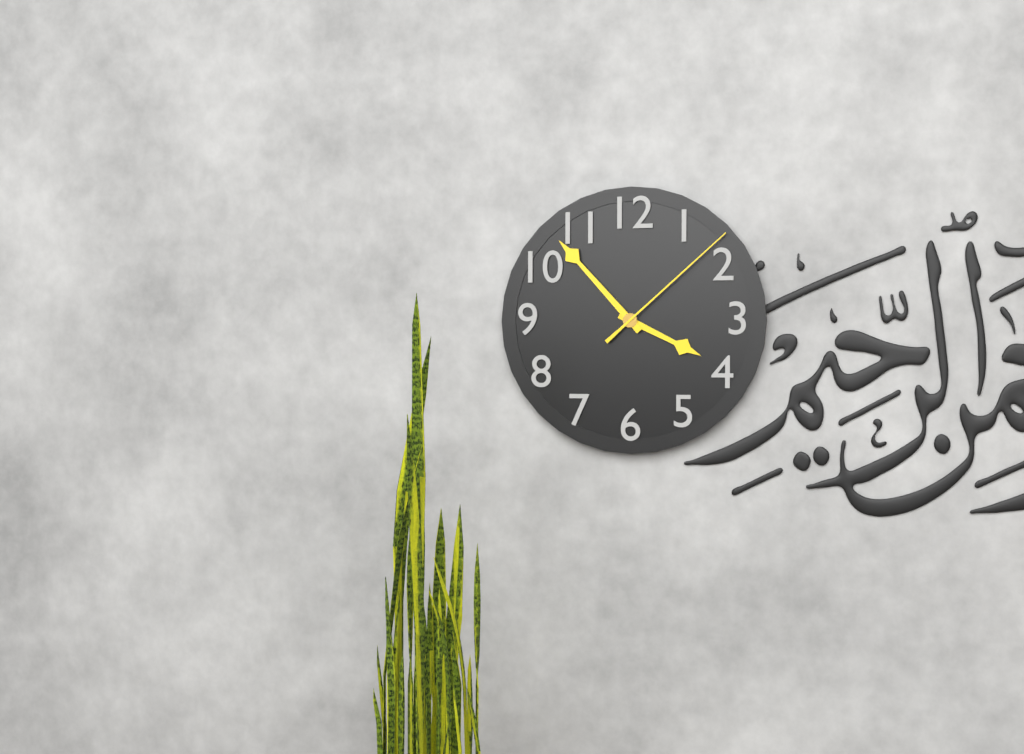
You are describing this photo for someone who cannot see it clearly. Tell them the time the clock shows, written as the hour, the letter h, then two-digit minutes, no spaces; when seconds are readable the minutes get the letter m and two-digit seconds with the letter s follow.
3h53m08s
